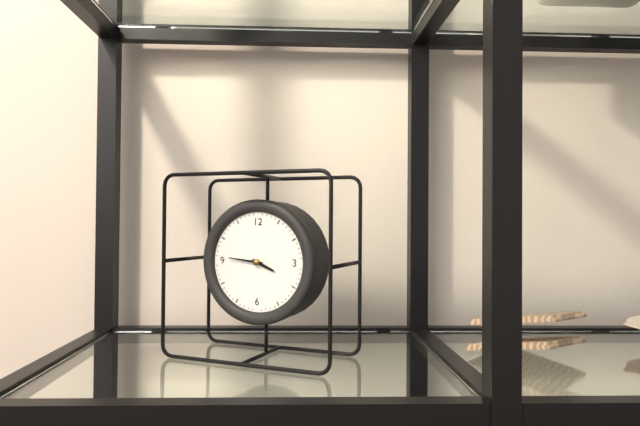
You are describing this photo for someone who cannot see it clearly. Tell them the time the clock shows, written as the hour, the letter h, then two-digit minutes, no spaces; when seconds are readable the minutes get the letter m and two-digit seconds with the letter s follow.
3h46
